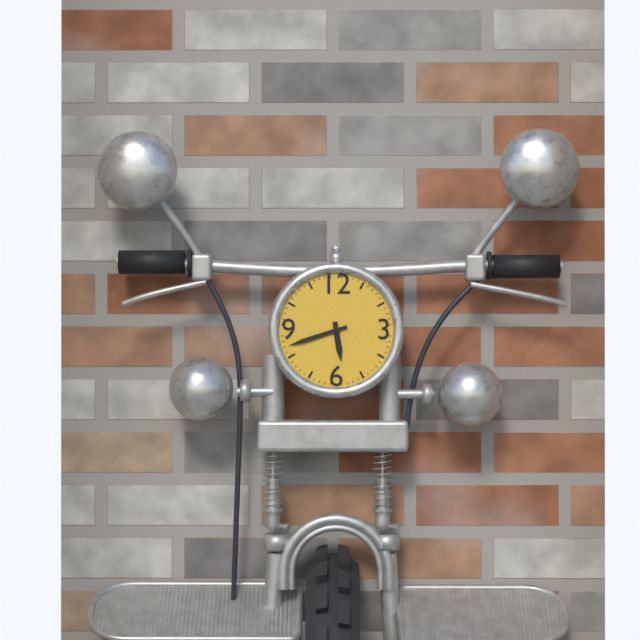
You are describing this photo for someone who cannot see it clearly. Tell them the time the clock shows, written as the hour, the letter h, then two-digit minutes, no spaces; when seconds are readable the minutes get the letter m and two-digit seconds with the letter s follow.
5h42
